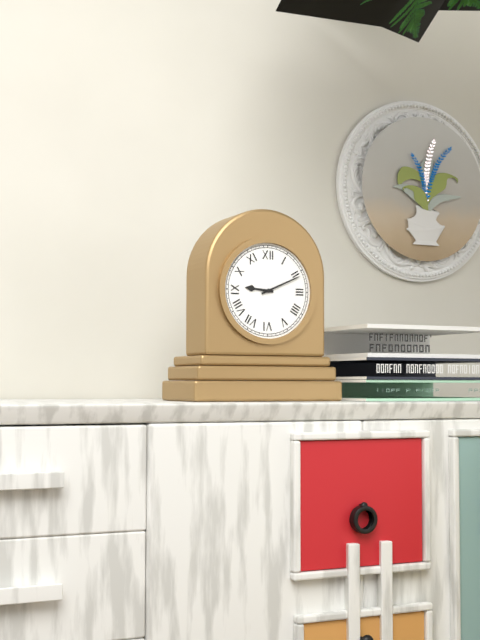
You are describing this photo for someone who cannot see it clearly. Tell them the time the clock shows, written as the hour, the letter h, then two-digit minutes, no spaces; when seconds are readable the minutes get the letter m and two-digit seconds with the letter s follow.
9h11
